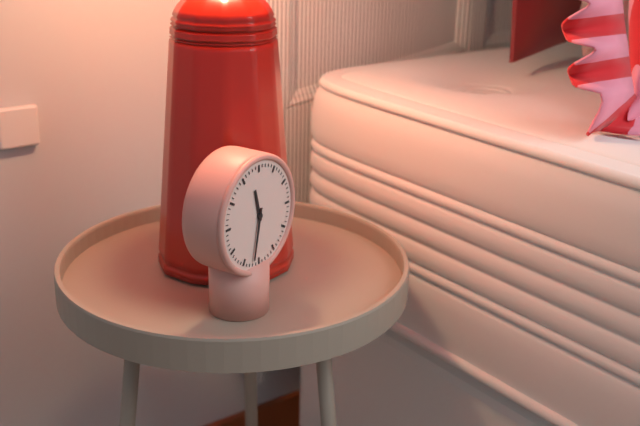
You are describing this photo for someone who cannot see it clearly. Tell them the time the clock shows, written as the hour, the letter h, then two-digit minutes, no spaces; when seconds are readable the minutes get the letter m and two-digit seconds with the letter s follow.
11h32
